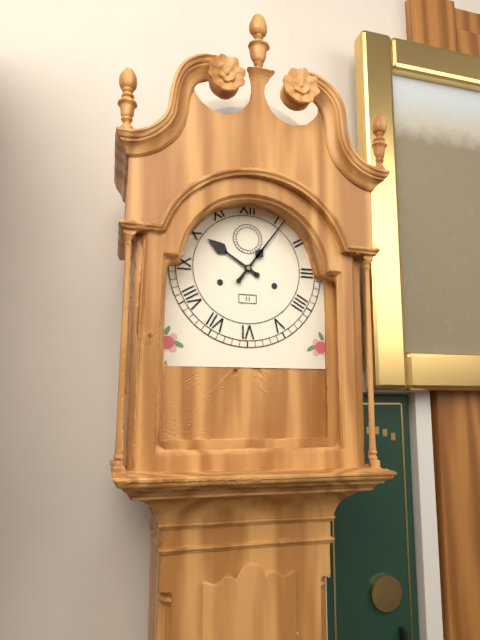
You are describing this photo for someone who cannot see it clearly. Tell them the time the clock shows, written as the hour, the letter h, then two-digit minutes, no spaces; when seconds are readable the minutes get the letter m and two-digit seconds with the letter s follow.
10h06
